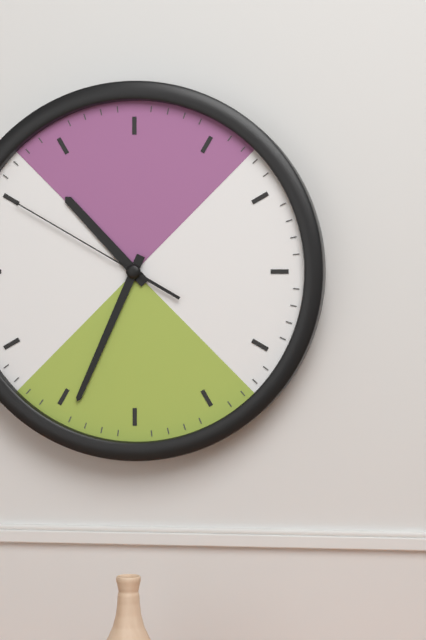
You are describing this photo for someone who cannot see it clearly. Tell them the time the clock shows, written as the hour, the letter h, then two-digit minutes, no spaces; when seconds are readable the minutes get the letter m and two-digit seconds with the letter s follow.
10h34m50s
